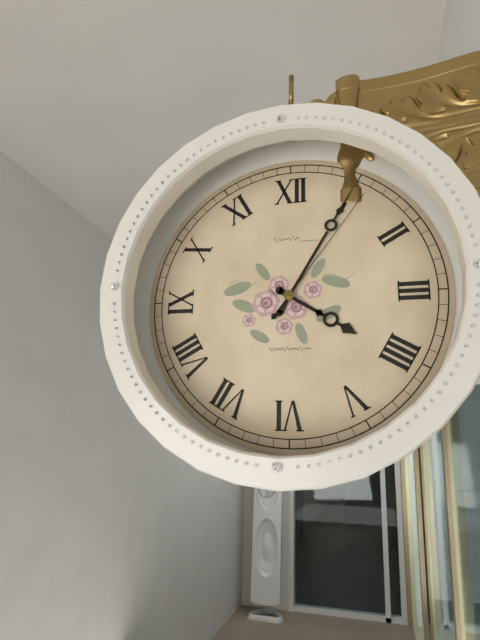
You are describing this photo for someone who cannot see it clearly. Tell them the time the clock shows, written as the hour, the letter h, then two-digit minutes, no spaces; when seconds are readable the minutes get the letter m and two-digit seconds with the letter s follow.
4h05m06s
